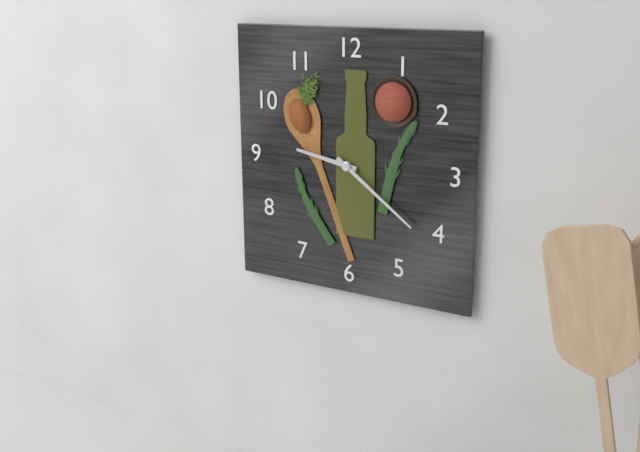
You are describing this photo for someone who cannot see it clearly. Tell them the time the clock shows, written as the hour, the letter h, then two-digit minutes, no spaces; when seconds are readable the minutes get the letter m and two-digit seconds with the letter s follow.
9h21
